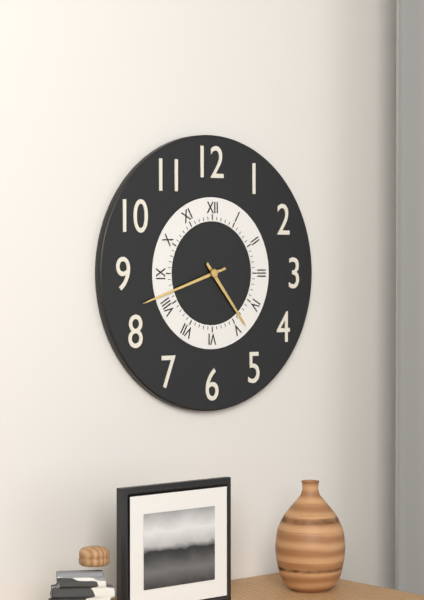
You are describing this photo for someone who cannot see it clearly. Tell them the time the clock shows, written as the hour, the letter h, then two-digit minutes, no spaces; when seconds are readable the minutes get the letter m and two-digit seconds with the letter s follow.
4h42
